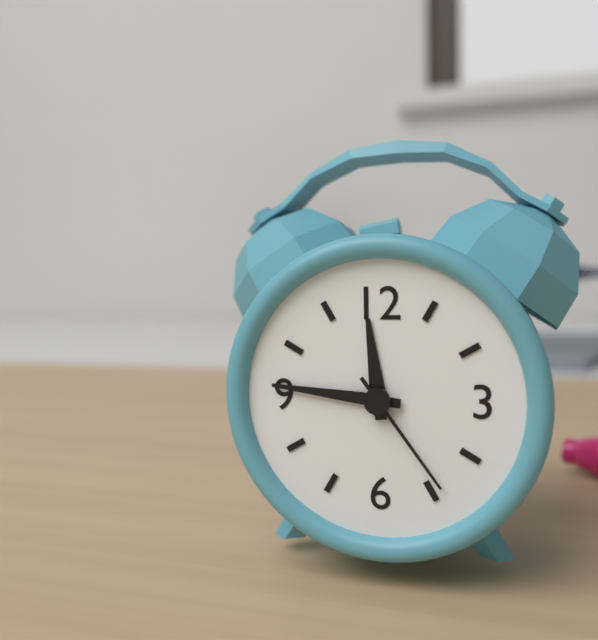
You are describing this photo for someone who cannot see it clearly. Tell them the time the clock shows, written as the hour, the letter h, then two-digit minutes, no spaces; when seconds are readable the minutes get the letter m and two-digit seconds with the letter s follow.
11h46m24s
